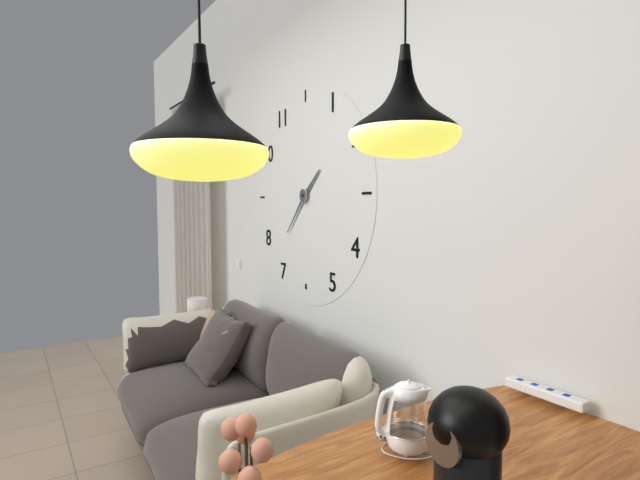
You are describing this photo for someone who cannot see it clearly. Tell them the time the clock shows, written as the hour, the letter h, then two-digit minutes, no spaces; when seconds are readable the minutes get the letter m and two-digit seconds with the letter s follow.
1h37
